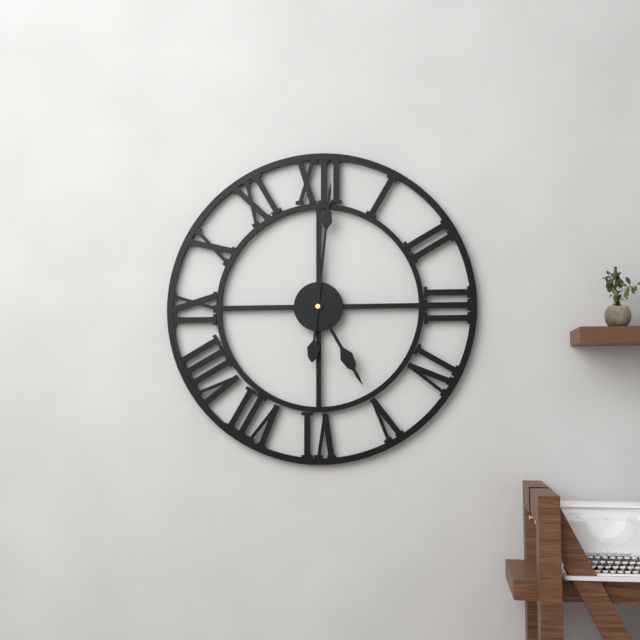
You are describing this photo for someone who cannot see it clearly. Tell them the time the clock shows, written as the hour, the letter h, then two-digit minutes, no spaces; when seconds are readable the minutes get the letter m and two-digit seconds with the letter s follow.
5h01
